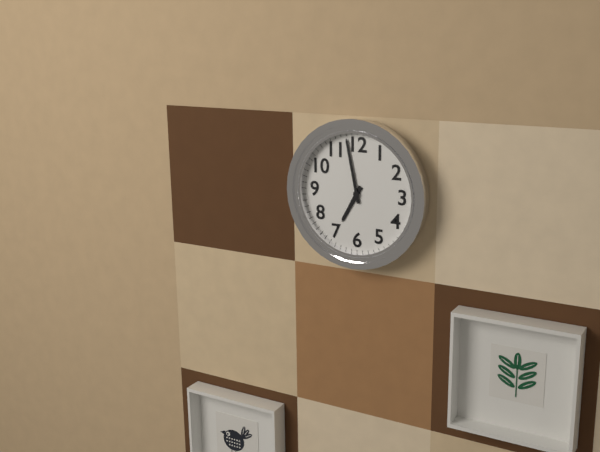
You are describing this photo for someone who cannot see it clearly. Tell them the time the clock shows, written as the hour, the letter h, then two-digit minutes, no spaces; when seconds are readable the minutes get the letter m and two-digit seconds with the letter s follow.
6h58
